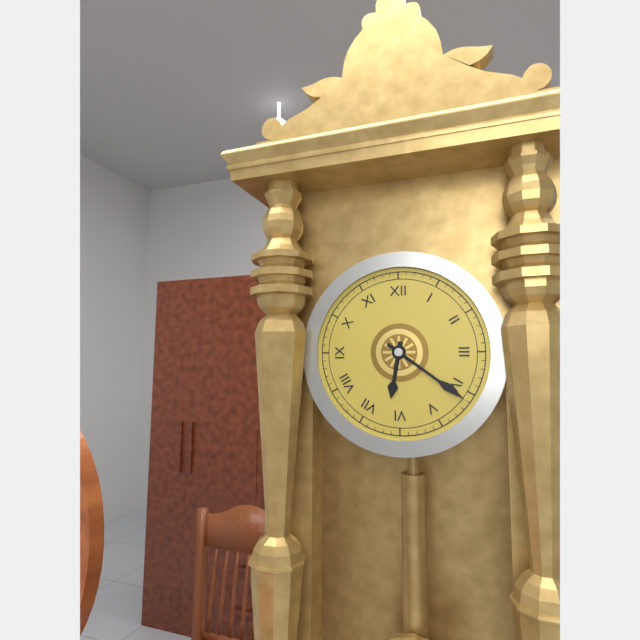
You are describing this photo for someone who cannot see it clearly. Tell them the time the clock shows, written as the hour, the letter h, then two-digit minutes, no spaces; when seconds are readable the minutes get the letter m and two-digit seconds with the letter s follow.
6h21
